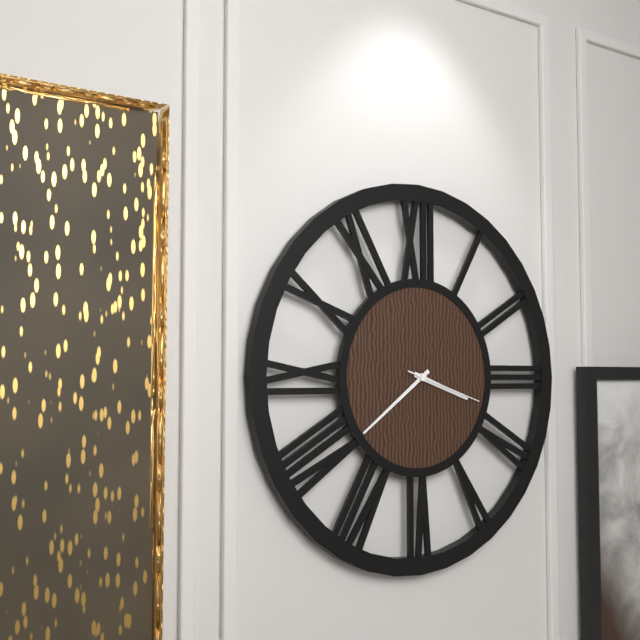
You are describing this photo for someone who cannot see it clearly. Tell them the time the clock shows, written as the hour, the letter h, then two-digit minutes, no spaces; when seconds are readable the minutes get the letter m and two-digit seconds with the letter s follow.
3h39m18s
